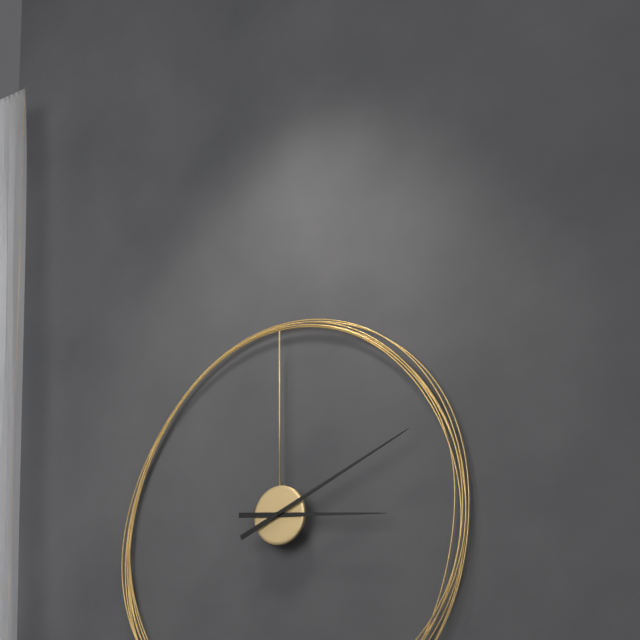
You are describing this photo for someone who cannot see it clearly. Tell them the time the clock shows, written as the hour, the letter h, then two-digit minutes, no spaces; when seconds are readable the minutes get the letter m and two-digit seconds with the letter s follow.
3h11
